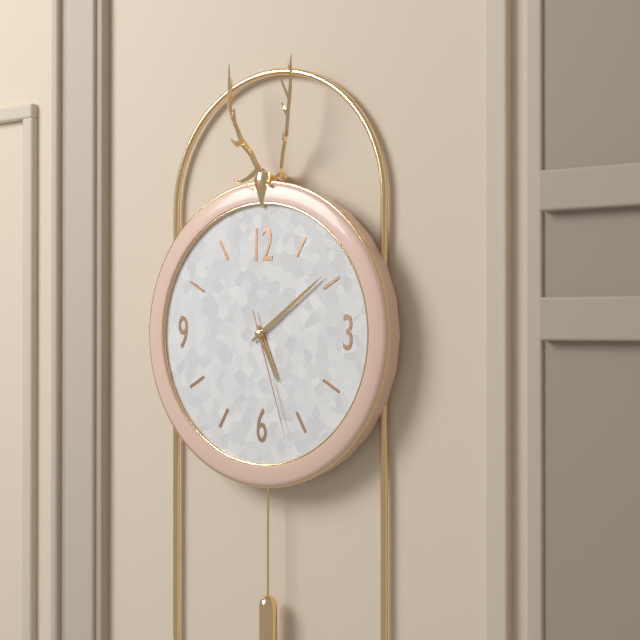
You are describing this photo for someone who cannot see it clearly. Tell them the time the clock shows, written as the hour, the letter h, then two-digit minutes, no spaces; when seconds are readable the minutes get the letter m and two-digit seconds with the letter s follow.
5h09m27s
